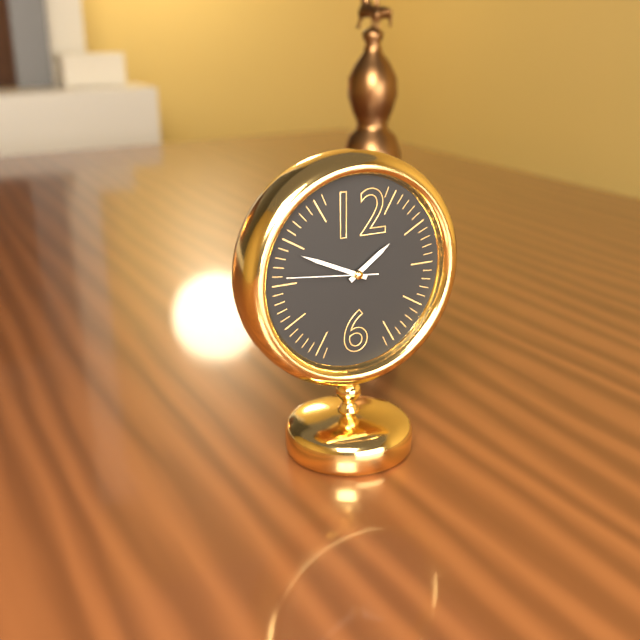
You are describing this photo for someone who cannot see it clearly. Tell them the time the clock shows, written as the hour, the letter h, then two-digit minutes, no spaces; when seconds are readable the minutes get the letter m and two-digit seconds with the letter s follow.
1h49m46s
